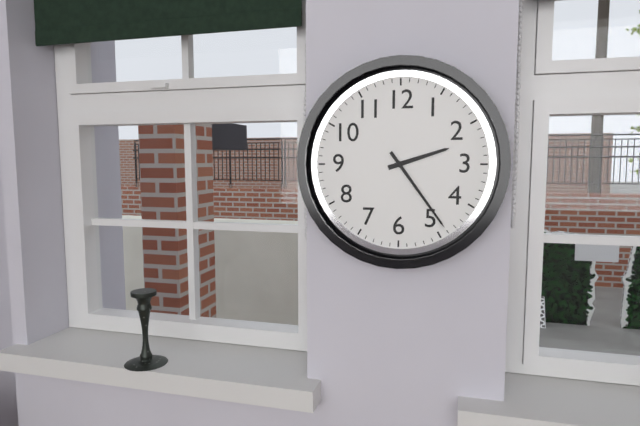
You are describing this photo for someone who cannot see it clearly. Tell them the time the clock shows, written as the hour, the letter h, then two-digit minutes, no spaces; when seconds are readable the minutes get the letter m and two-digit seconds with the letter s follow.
2h24
